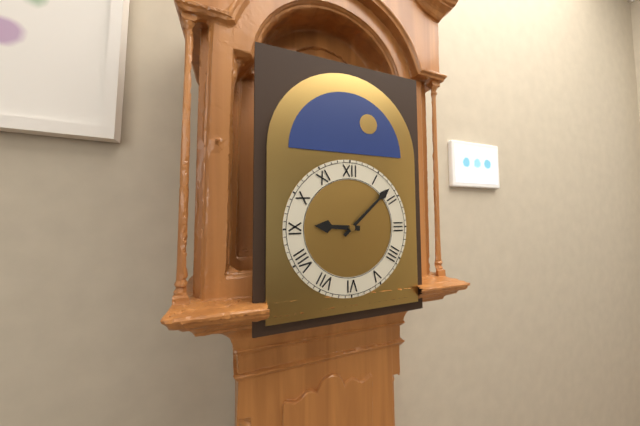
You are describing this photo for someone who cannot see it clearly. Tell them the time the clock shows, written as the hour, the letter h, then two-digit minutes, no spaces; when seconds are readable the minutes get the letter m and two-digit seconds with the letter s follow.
9h08
